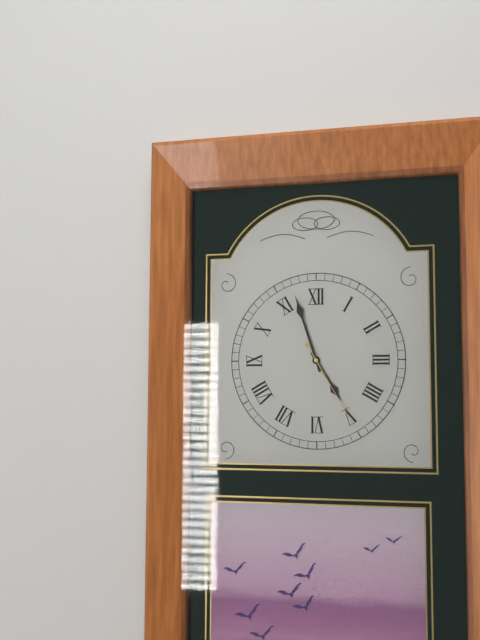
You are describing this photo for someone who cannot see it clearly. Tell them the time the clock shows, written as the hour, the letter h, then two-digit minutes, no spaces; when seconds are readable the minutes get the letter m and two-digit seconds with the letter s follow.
4h57m25s
